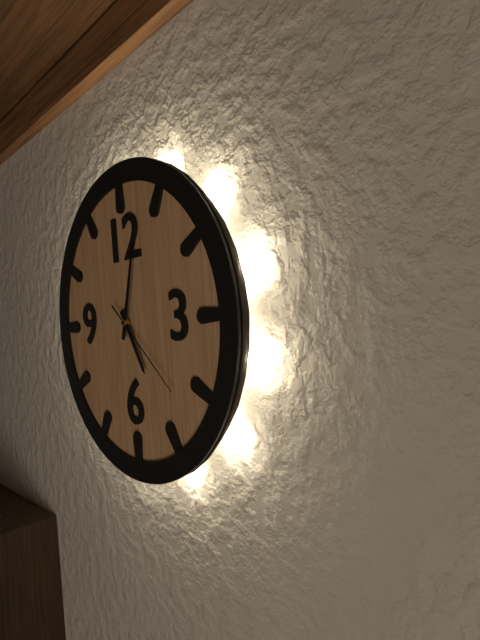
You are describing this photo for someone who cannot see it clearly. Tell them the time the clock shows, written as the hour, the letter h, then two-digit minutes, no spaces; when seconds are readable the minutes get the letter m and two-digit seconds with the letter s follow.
5h03m22s
